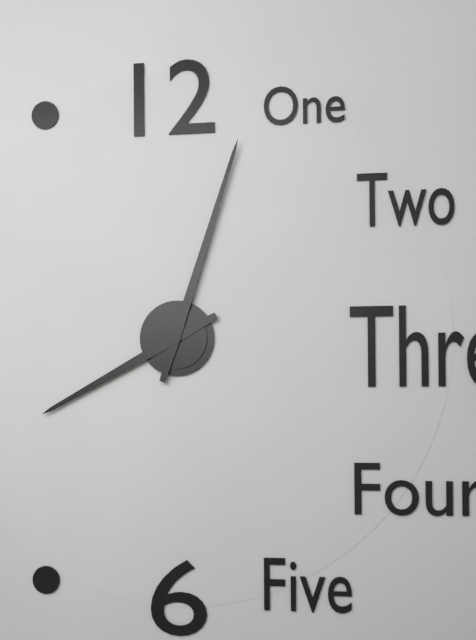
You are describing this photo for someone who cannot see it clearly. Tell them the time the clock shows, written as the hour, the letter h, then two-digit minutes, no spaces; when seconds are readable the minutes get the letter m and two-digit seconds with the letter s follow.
8h03
